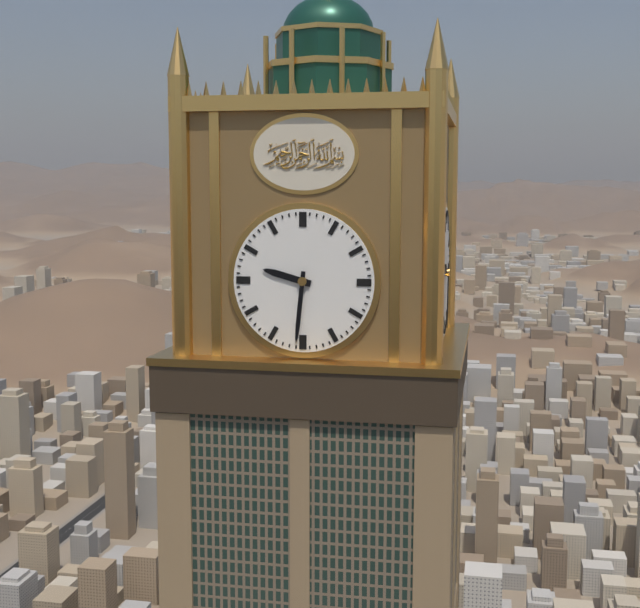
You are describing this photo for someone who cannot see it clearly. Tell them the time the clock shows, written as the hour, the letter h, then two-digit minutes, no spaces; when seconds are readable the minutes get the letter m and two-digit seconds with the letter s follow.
9h31
